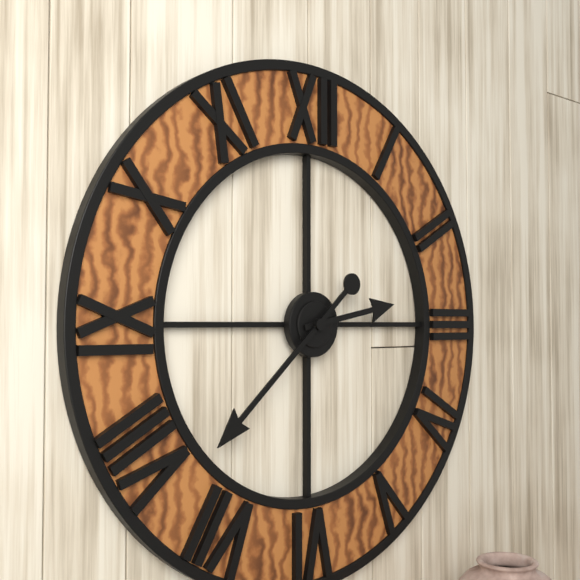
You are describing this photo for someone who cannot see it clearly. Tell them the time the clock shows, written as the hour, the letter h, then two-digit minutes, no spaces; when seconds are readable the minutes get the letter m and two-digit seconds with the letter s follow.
2h38
